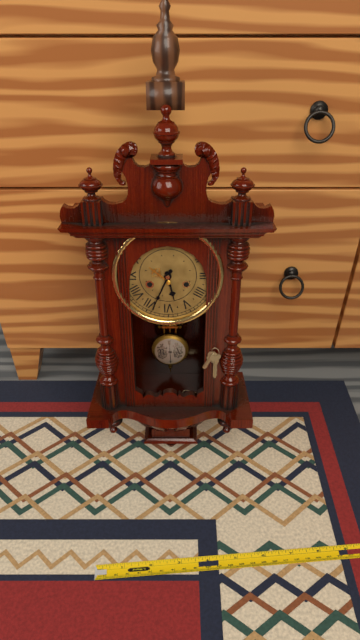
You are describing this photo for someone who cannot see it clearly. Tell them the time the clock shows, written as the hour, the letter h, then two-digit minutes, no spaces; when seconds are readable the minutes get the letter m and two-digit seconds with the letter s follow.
5h34
